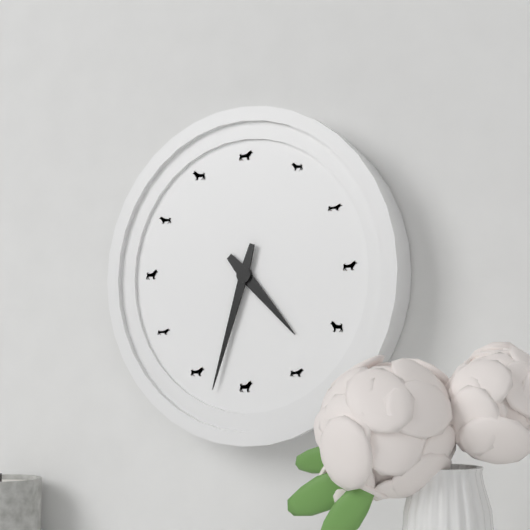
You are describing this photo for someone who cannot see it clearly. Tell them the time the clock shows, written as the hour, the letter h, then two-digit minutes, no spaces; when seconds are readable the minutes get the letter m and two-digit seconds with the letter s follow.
4h33
